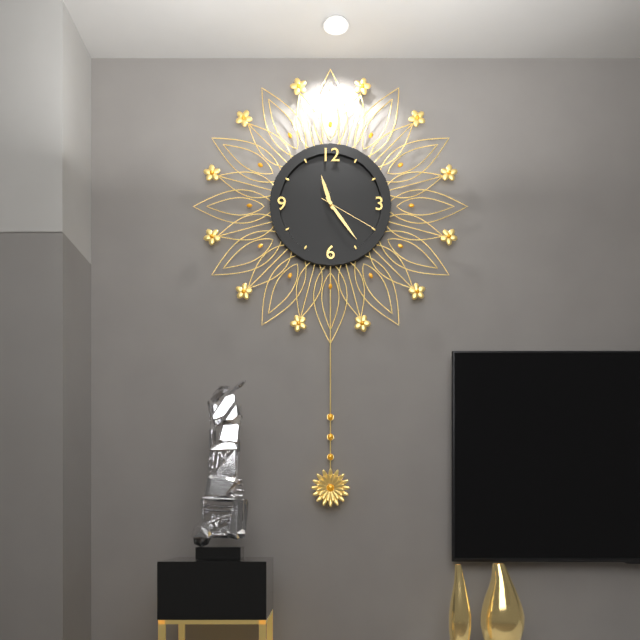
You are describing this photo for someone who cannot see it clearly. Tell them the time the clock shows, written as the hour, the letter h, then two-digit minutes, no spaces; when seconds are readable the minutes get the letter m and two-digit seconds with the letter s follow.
11h24m20s
